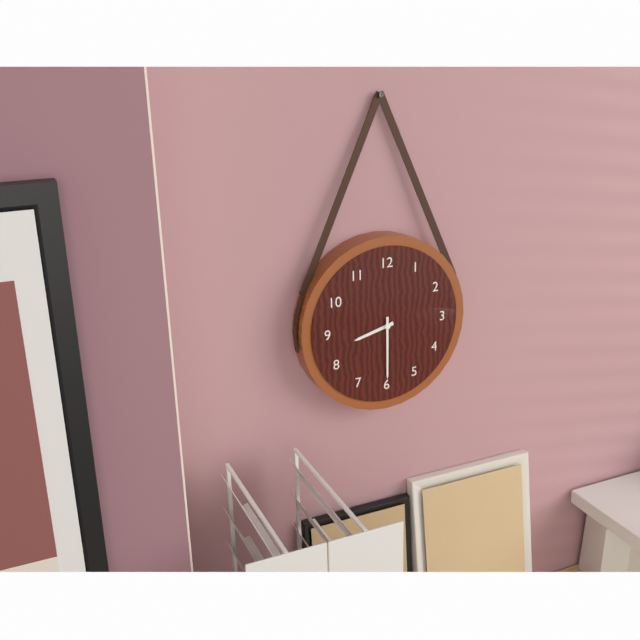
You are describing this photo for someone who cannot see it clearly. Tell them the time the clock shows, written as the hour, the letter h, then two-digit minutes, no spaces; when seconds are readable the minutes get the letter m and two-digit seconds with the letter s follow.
8h30
